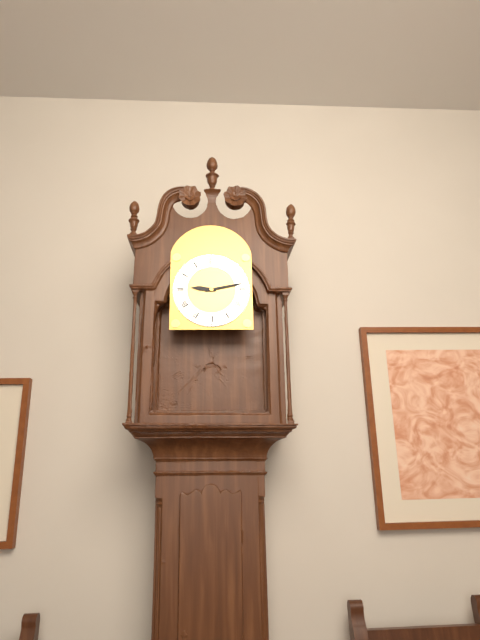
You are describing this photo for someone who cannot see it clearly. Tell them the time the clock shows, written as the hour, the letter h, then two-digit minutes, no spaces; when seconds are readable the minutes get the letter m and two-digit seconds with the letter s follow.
9h13
